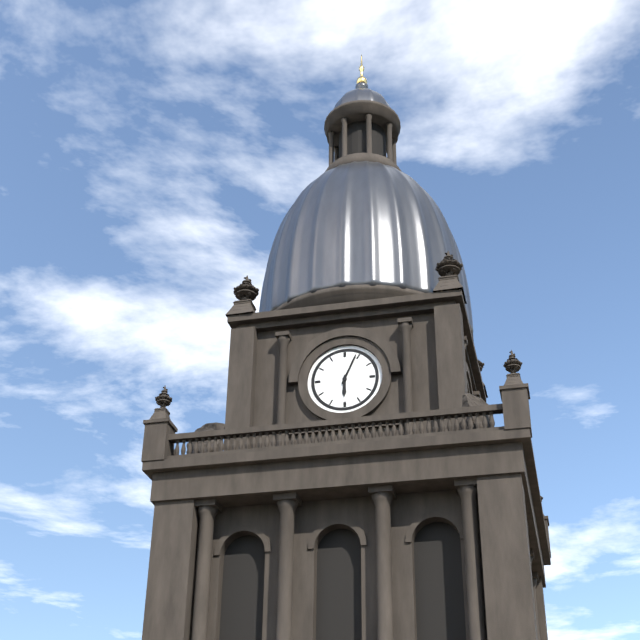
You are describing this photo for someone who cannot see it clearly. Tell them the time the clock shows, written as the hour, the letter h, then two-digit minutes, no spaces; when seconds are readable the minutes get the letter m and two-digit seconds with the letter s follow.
6h04
